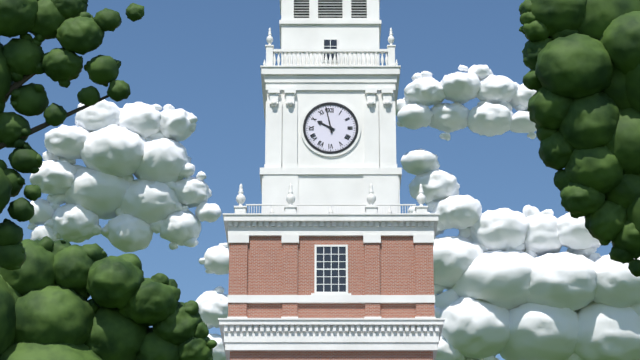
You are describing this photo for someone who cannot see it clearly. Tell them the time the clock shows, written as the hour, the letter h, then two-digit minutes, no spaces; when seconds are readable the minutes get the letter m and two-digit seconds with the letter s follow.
9h58
